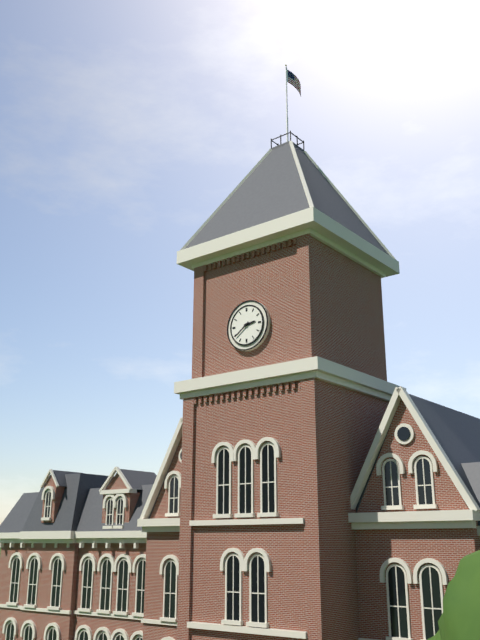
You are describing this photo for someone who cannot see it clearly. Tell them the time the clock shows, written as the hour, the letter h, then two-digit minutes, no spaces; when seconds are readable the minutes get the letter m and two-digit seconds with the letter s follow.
2h39
